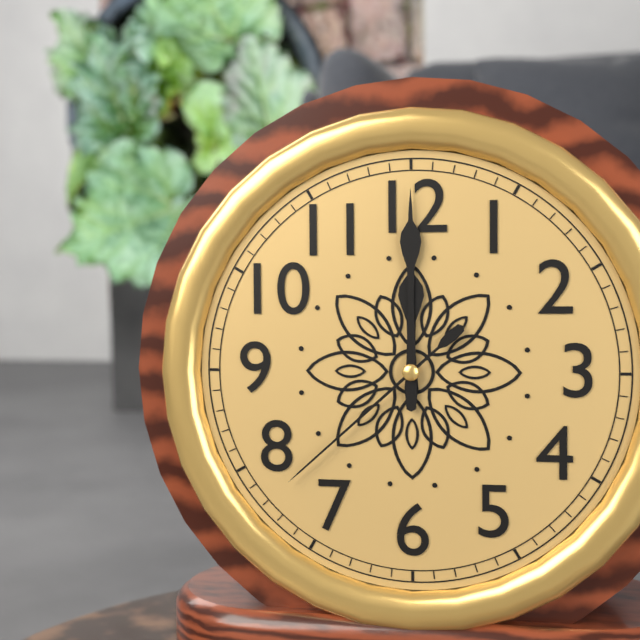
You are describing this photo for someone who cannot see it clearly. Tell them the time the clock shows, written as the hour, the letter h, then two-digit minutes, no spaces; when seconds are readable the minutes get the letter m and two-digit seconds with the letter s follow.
12h00m38s
